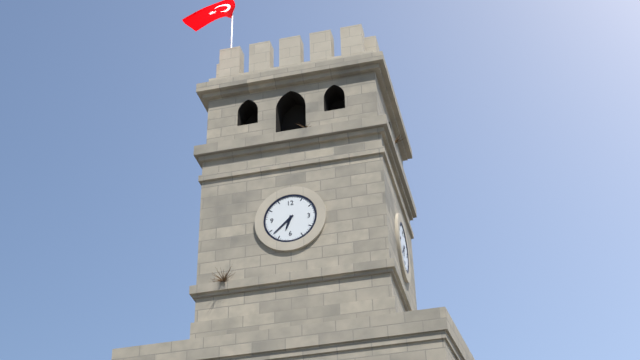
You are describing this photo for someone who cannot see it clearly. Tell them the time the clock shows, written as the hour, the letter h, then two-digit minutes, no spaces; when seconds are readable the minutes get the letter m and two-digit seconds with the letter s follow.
6h38
